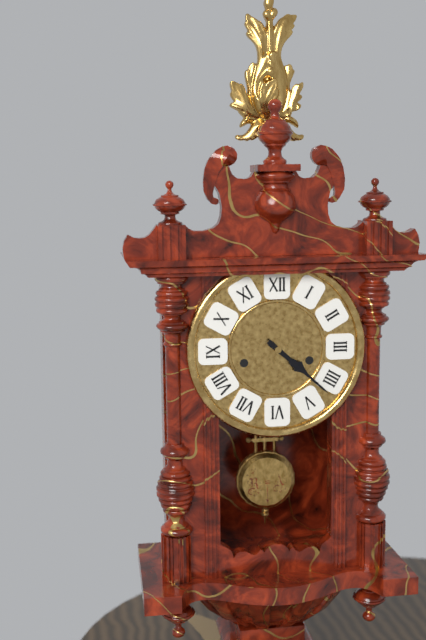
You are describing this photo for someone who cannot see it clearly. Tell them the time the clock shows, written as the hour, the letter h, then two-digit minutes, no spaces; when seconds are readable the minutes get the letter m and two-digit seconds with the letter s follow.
4h22
